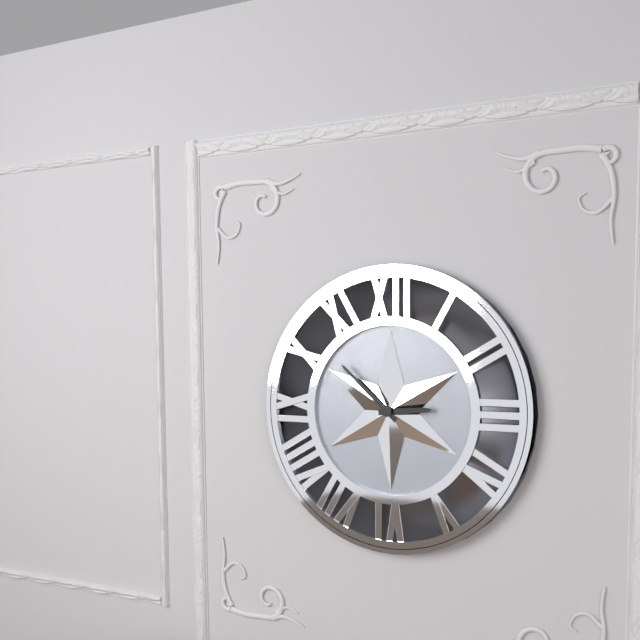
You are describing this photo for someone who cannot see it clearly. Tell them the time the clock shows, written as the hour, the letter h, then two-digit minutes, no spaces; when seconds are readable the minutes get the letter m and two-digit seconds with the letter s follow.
2h52
